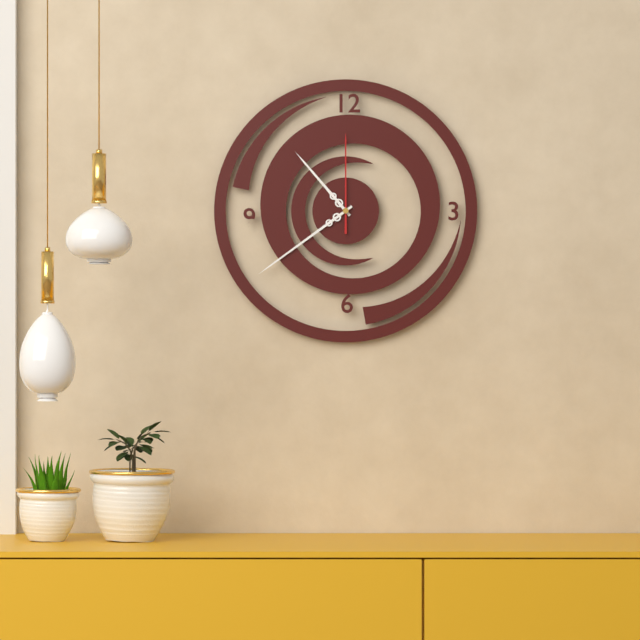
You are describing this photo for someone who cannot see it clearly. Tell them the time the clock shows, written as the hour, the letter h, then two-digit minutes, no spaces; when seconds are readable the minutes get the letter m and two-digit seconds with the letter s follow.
10h39m00s
